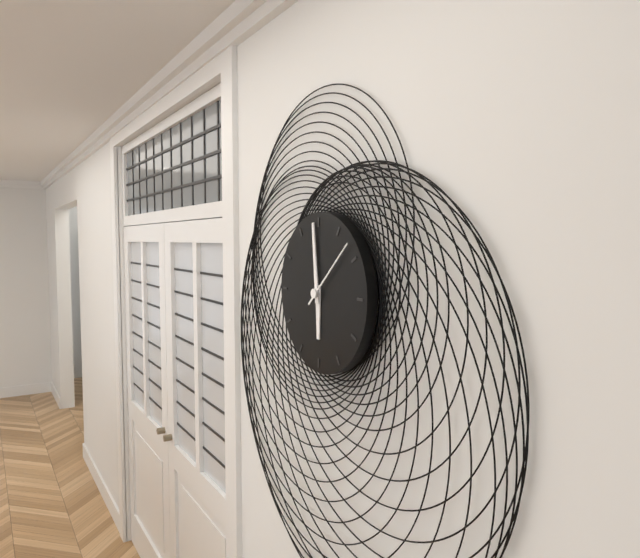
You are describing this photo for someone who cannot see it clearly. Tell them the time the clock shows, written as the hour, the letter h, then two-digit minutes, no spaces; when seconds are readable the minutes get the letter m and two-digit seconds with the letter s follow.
5h59m08s
